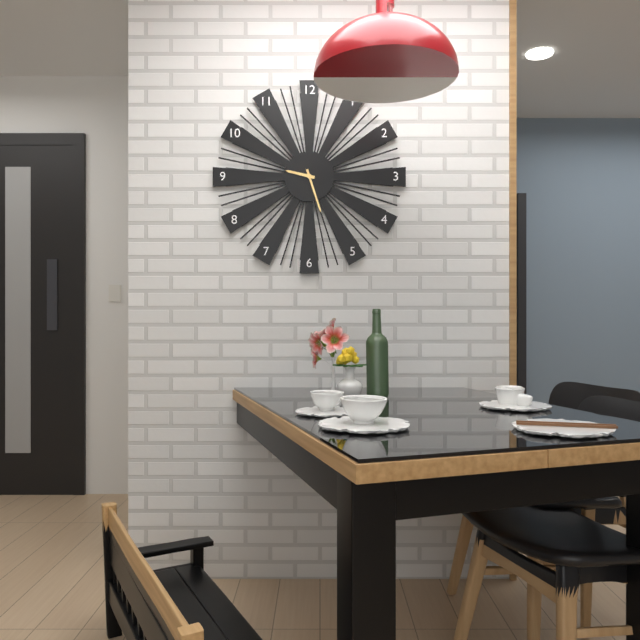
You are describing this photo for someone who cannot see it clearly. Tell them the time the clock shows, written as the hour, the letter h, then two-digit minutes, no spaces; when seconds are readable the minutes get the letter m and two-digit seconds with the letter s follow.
9h27
